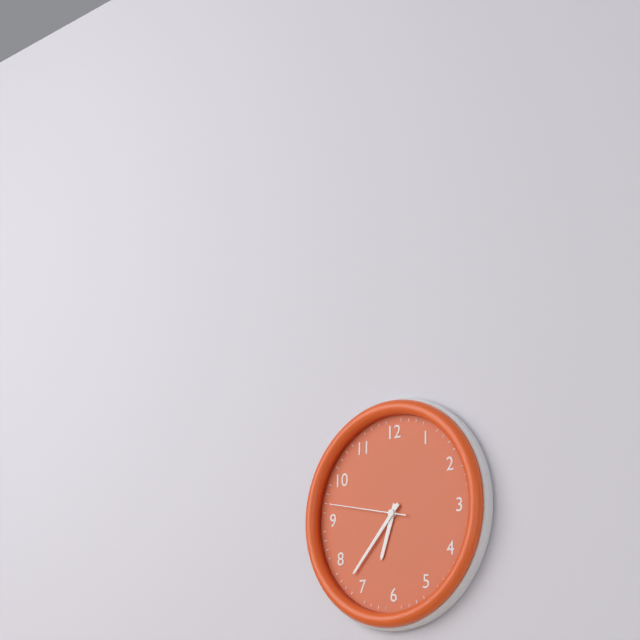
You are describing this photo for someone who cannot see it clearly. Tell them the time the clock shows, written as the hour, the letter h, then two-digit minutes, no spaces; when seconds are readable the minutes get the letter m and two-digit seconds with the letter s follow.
6h37m47s
